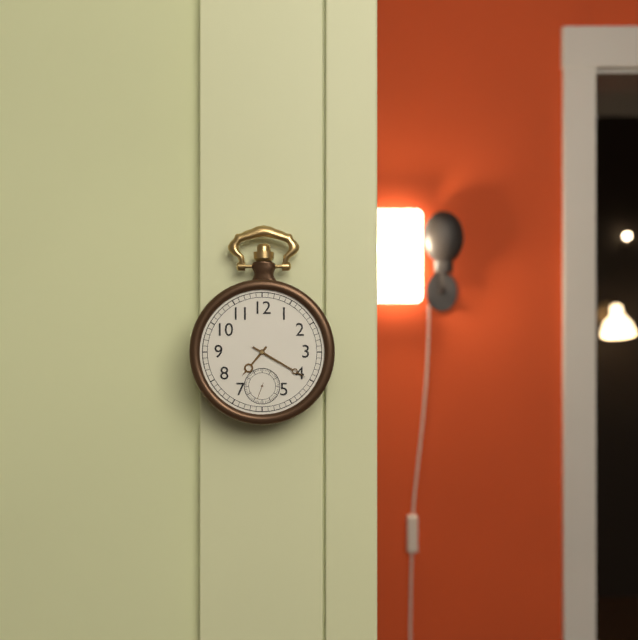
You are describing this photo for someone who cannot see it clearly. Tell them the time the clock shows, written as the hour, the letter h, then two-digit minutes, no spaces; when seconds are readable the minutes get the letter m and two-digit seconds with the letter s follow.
7h20
